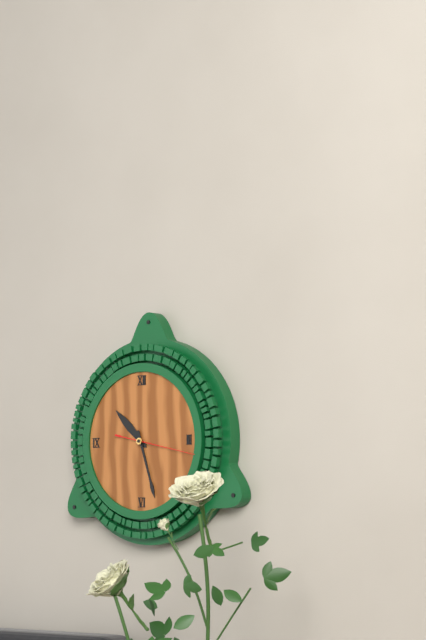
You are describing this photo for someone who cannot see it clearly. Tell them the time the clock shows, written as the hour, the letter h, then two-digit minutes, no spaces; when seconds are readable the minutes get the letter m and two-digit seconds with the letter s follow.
10h27
